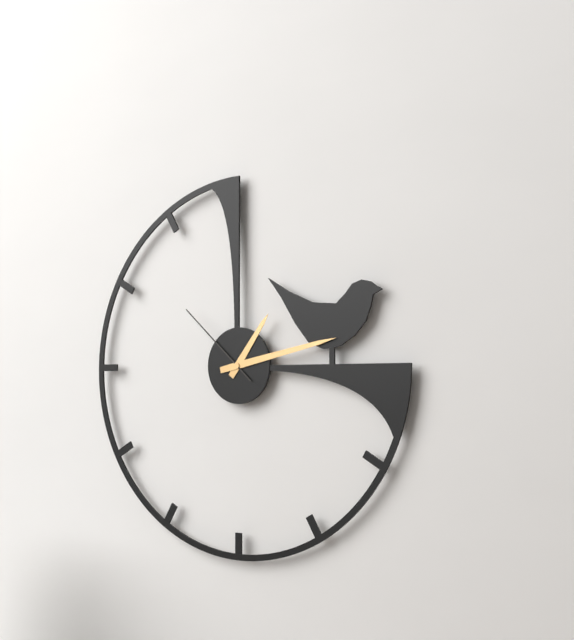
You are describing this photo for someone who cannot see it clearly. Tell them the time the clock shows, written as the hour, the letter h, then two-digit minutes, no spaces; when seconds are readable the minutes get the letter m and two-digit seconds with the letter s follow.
1h13m52s
